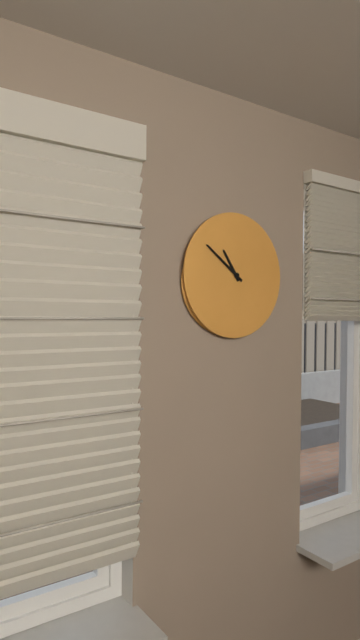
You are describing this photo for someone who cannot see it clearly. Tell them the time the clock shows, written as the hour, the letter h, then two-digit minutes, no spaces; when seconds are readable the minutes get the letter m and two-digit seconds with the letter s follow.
10h51
